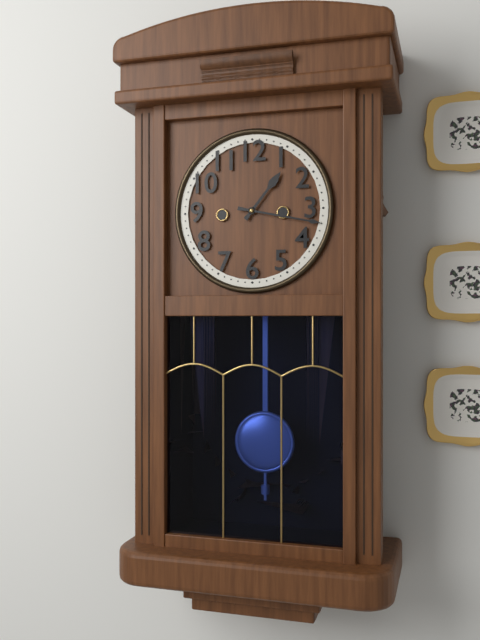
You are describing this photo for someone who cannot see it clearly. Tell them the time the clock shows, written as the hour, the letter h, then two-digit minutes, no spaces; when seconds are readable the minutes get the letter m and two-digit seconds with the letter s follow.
1h17
